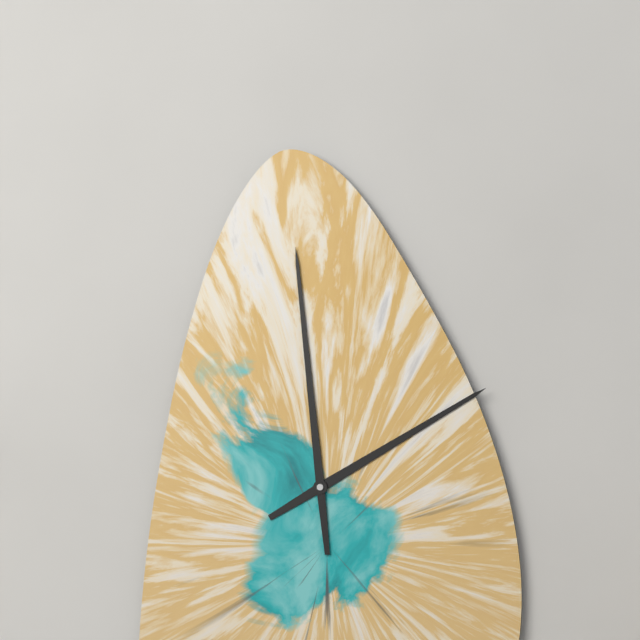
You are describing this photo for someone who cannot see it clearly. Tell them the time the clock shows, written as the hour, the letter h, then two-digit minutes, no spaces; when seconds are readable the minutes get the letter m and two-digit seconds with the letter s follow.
1h59
